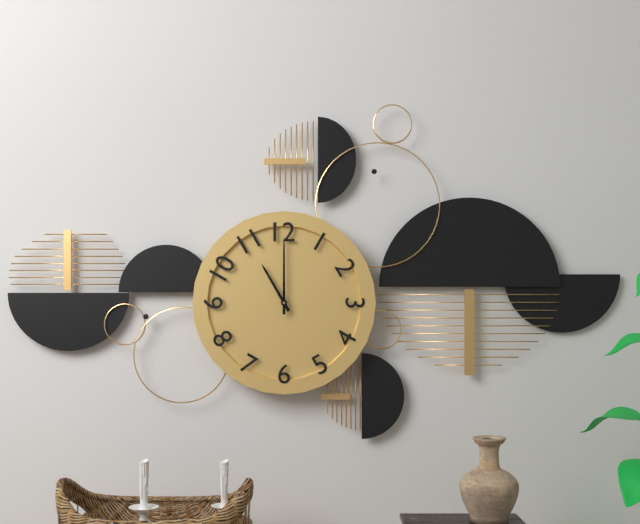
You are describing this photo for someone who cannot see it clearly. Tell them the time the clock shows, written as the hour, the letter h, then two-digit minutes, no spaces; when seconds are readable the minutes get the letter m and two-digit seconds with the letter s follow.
11h00
